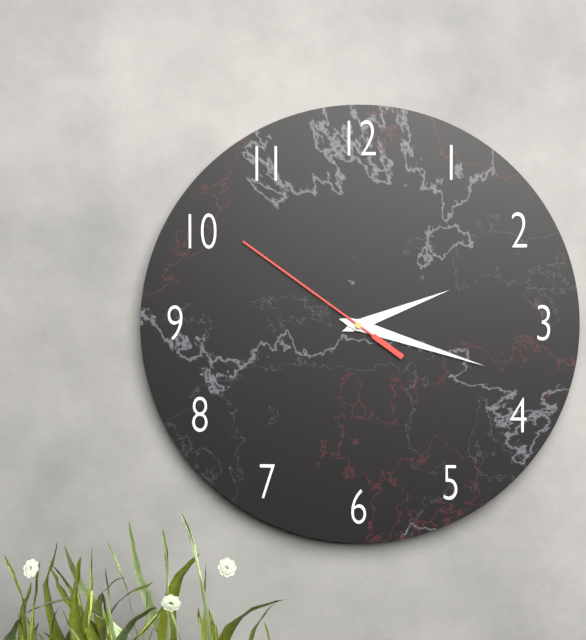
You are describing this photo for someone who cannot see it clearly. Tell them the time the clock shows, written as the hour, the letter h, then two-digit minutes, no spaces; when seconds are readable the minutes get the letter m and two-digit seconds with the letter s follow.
2h18m51s
